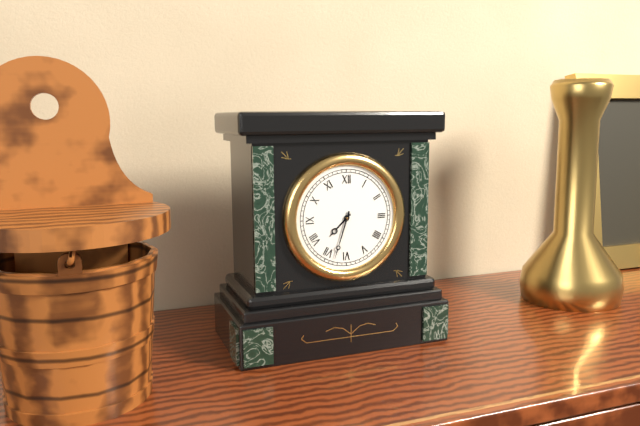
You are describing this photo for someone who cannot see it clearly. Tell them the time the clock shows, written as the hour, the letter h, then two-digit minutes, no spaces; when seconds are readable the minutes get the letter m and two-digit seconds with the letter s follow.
7h33
